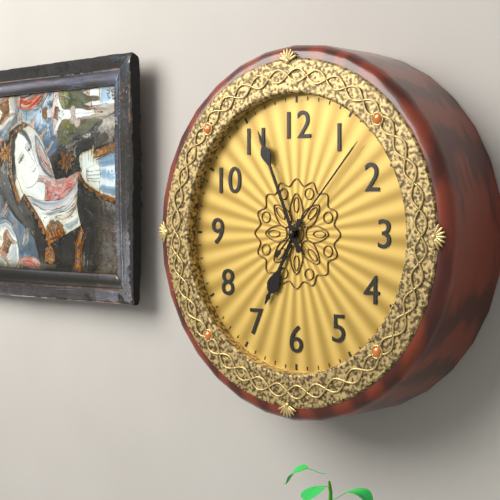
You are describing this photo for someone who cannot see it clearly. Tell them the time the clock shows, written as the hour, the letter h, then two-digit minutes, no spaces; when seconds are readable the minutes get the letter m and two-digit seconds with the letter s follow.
6h56m07s
